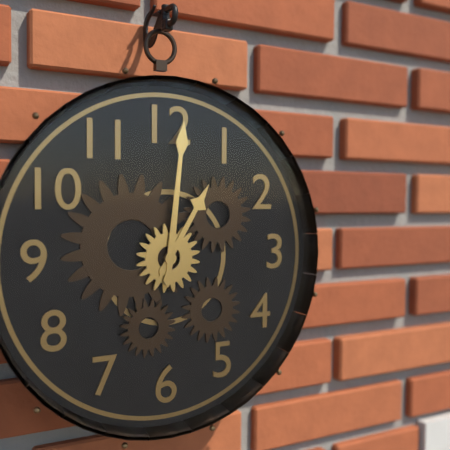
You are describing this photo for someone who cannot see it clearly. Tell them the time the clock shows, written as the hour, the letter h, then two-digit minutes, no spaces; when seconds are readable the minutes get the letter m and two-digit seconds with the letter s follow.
1h01
